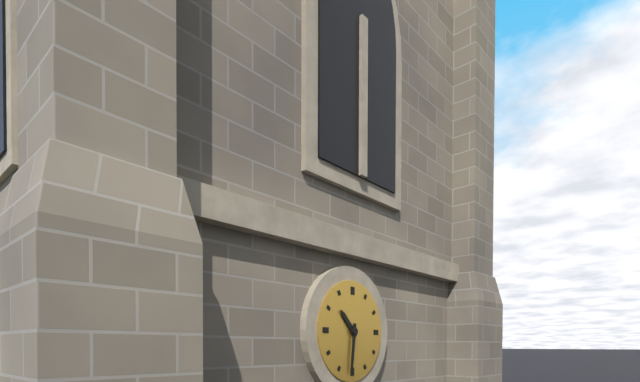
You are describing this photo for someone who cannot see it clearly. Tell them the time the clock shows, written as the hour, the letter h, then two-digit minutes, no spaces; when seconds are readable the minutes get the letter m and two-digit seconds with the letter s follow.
10h31
